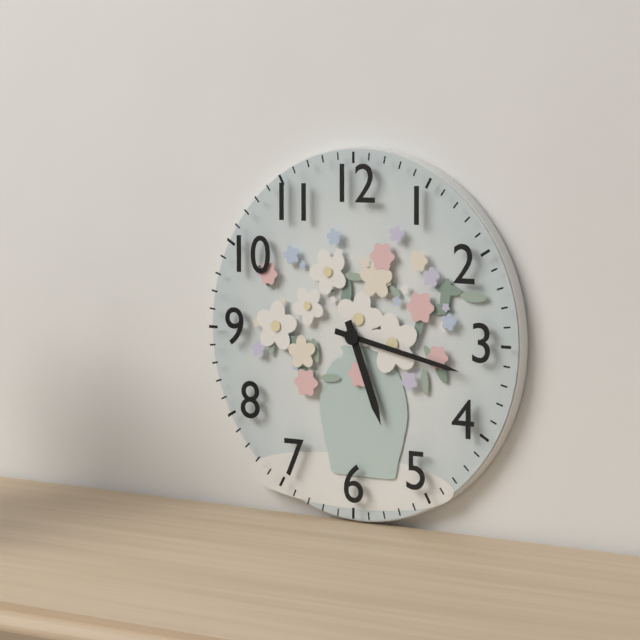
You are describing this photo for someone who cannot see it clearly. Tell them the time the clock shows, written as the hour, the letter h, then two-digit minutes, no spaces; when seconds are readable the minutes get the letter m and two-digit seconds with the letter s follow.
5h17
